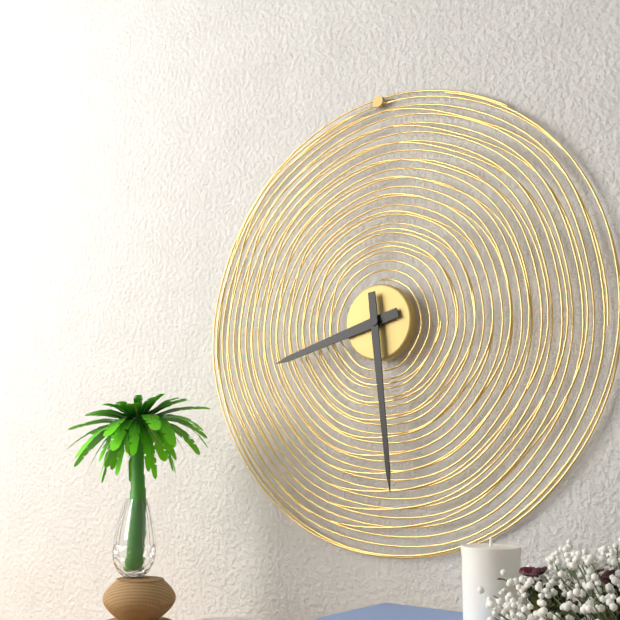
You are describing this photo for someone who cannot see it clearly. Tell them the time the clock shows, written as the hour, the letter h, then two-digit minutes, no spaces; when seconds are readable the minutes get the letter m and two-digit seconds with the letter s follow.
8h29
